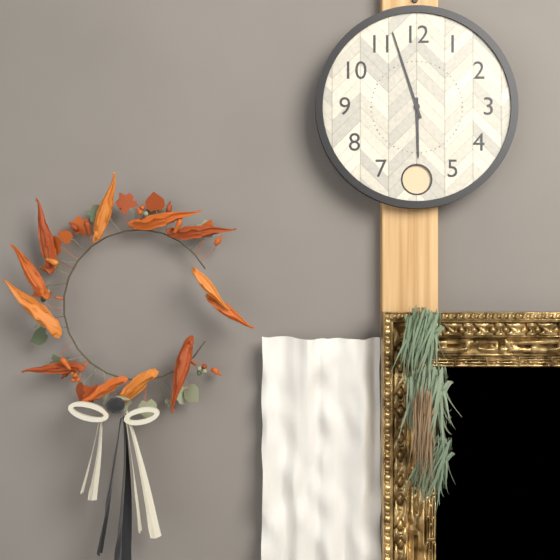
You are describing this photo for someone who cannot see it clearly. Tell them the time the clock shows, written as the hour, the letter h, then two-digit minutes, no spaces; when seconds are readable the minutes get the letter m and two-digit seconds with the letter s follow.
5h57
